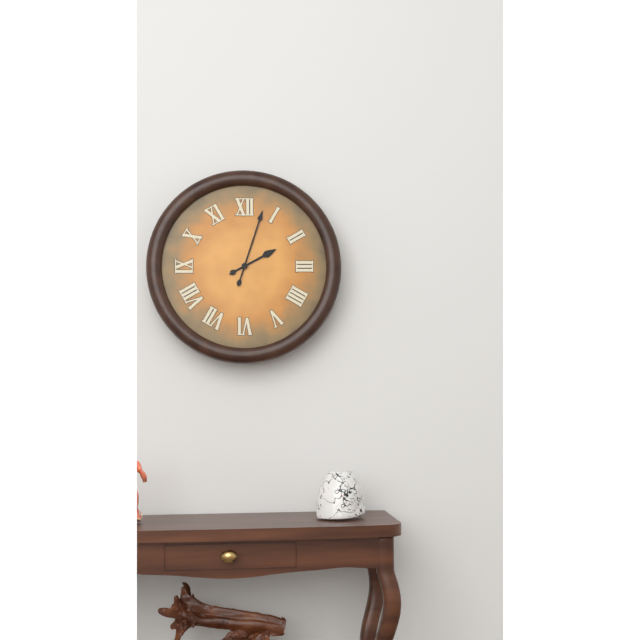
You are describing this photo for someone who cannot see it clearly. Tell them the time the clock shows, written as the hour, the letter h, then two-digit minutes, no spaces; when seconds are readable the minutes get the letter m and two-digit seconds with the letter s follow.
2h03
